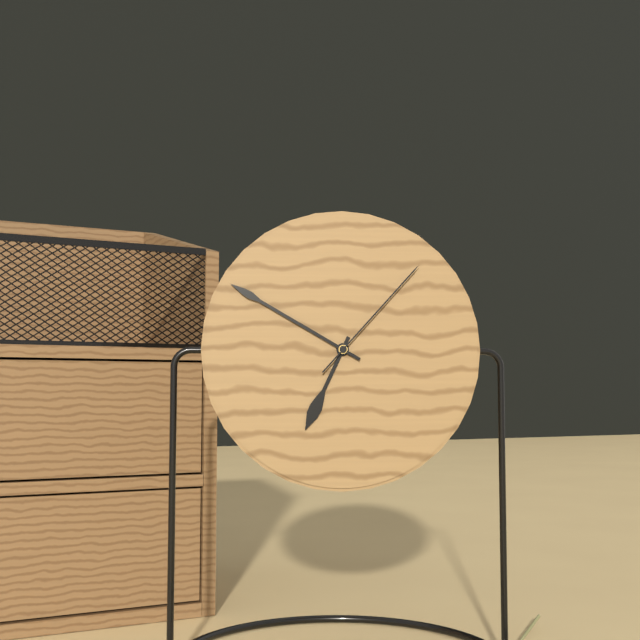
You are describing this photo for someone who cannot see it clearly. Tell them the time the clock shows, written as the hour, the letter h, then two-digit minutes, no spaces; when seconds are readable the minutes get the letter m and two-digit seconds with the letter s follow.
6h50m07s
